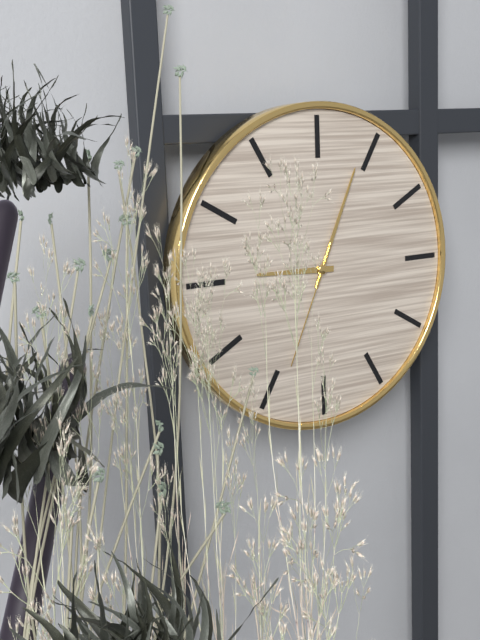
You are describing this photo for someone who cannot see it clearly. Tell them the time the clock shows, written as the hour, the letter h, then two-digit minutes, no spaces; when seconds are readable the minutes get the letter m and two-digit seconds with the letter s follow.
9h04m34s
